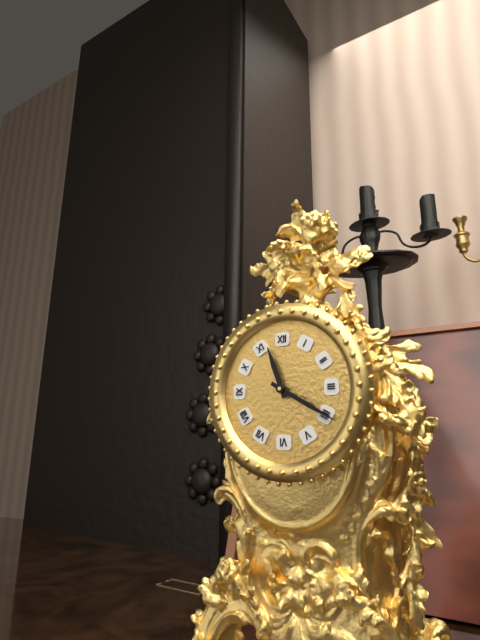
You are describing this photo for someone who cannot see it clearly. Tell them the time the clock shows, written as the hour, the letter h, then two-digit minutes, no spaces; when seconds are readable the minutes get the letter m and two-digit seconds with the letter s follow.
11h20
